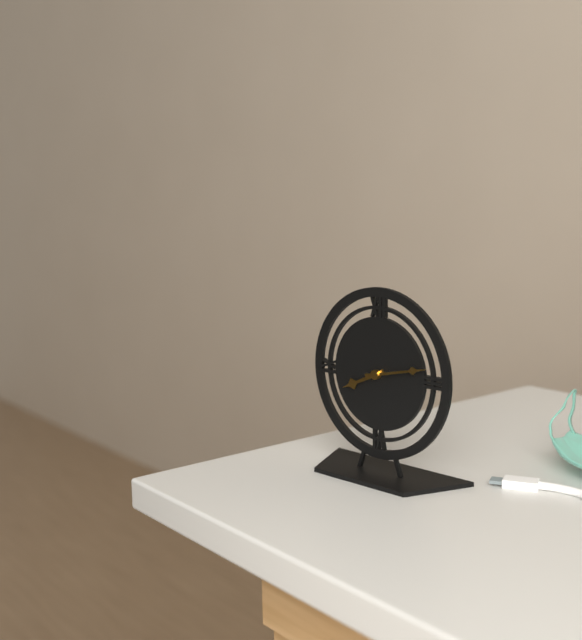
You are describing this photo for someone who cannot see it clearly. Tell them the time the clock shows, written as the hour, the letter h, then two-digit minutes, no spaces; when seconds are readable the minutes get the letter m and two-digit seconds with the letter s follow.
8h13
